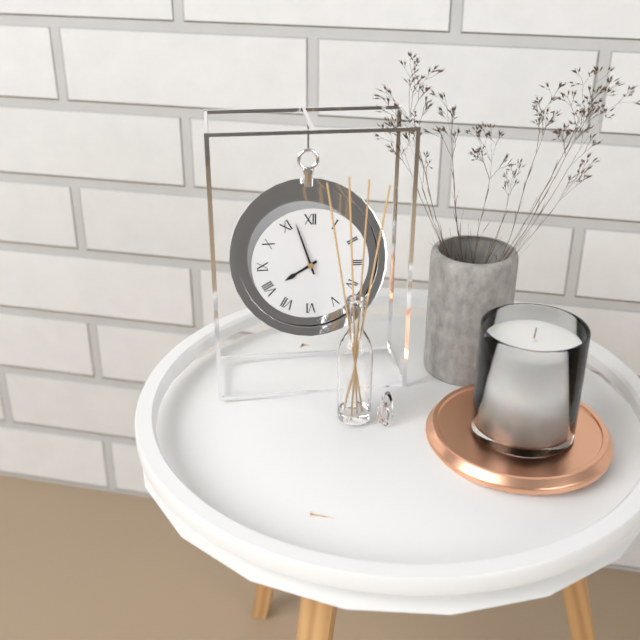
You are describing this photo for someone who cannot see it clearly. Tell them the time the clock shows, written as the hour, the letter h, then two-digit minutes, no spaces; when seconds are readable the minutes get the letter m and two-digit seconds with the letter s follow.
7h57
